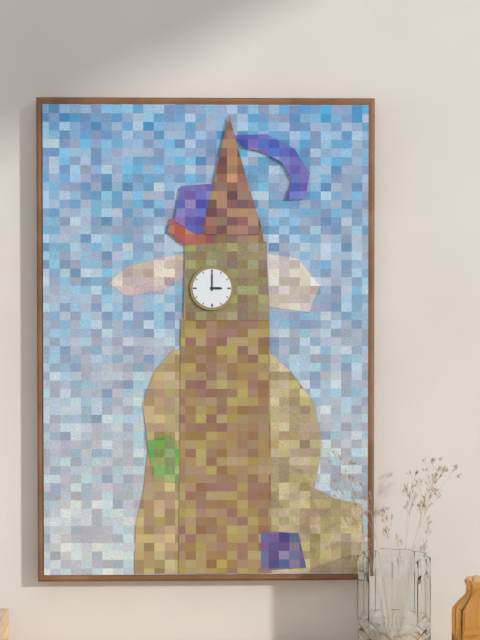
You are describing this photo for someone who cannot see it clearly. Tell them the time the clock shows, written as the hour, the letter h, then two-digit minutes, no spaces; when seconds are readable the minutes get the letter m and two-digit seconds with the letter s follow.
3h00
